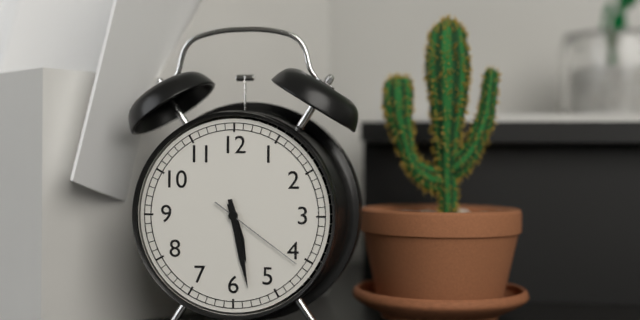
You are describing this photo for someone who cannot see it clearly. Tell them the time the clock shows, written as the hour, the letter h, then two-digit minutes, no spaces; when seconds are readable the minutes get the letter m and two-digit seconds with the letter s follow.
5h28m21s
